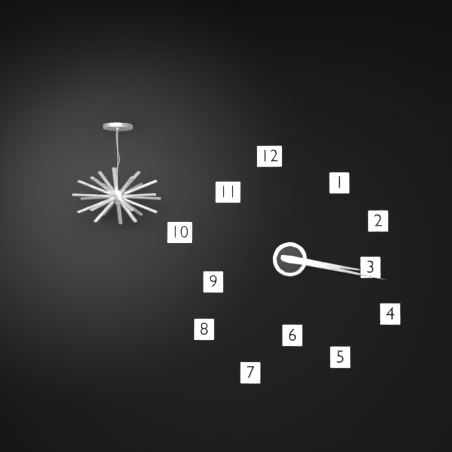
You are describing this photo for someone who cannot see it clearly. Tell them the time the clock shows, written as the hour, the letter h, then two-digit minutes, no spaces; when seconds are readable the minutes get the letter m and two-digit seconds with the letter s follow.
3h17
